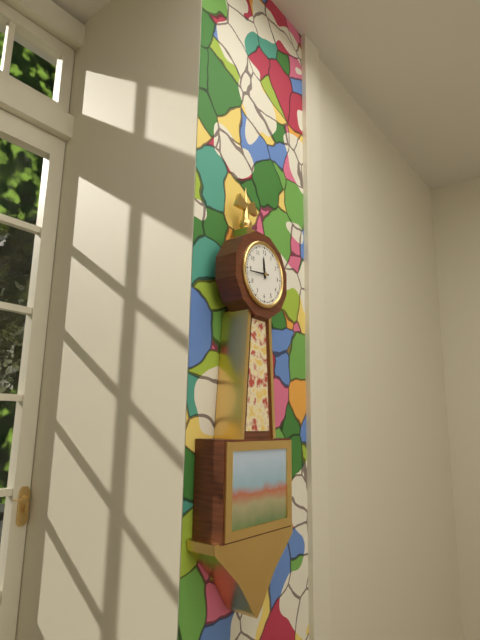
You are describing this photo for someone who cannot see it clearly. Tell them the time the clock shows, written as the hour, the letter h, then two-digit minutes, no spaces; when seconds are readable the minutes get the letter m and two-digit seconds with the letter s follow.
11h44
